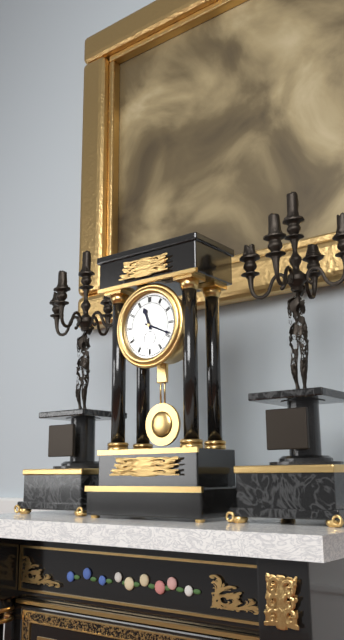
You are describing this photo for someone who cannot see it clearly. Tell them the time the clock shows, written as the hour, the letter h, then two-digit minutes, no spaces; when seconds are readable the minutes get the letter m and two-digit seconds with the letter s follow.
11h19
